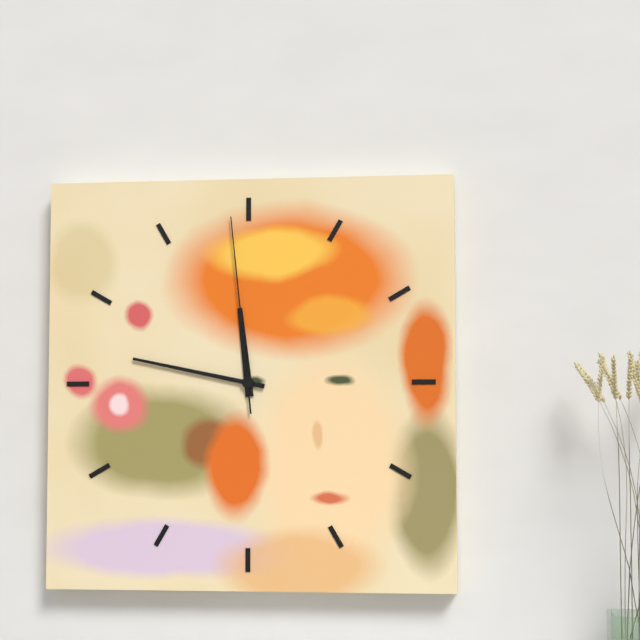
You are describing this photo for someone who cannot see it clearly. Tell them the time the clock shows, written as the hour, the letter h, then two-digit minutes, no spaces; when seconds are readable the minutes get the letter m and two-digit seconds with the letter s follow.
11h47m59s
